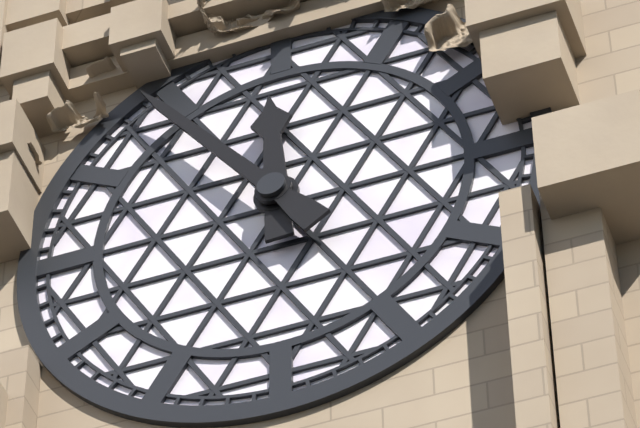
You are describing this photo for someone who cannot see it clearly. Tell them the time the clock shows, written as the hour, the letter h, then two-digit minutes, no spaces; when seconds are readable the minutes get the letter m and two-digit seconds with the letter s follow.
11h54
